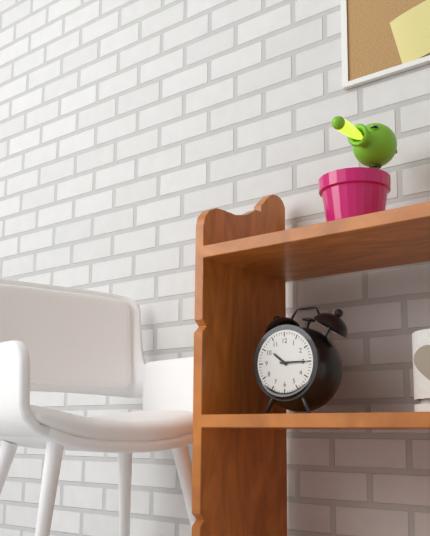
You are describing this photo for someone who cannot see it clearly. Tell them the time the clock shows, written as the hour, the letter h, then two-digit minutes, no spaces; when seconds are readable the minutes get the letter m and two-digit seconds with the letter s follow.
10h15
